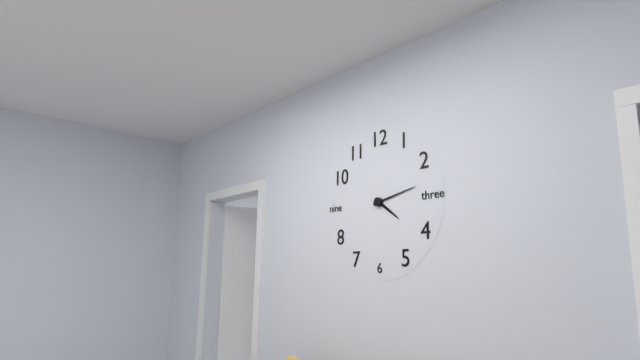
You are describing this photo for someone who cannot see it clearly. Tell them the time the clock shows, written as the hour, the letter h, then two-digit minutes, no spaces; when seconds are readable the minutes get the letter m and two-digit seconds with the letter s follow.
4h13
